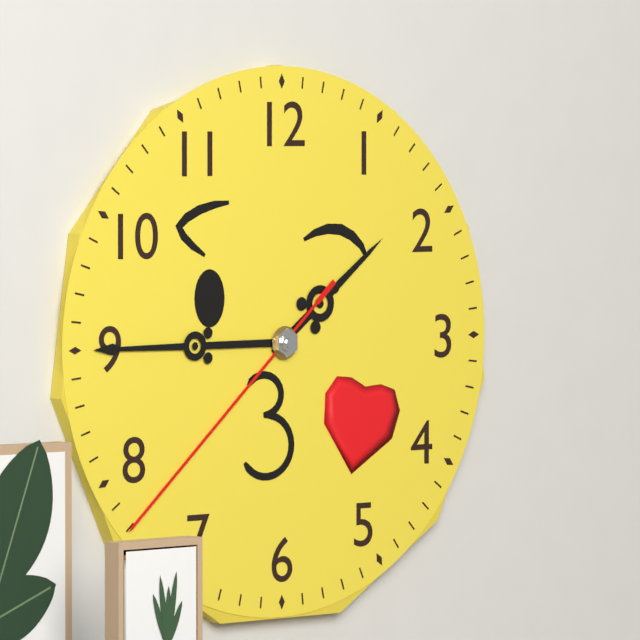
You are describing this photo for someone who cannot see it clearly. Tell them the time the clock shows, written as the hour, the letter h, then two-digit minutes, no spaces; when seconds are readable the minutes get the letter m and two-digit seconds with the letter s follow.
1h45m38s
